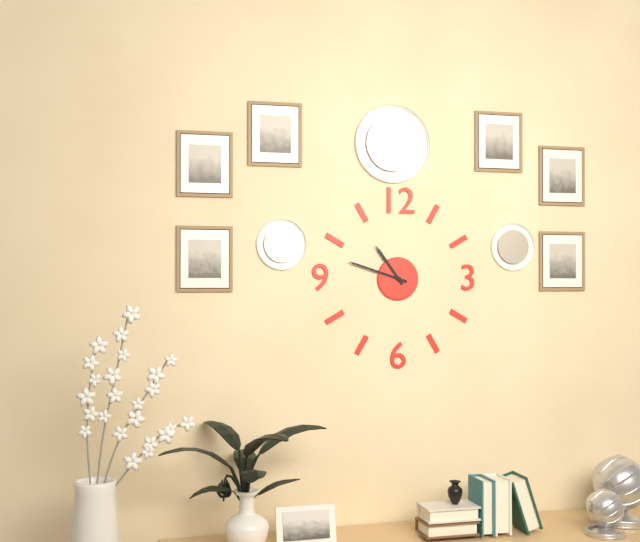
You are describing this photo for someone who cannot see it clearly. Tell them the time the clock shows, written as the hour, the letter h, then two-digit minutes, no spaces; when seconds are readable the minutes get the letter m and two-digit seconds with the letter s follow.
10h48
